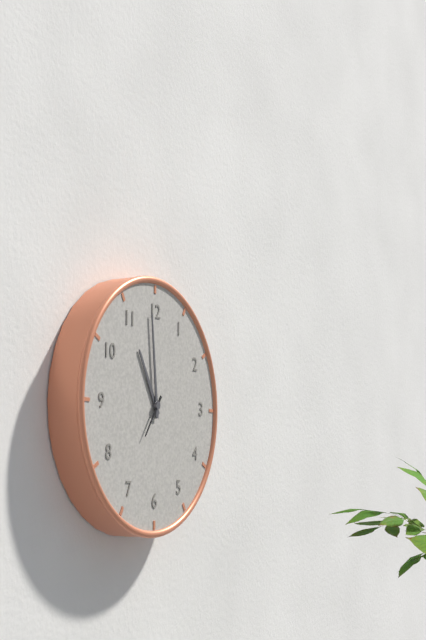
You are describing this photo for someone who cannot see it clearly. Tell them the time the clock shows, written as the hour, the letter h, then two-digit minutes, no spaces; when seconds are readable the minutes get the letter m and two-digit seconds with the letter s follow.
10h59
